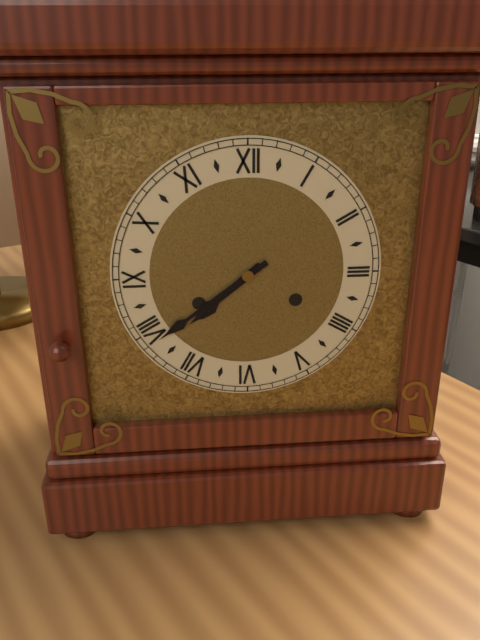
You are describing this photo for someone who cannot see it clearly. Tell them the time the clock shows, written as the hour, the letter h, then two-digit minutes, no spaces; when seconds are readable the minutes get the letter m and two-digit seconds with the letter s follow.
7h39
